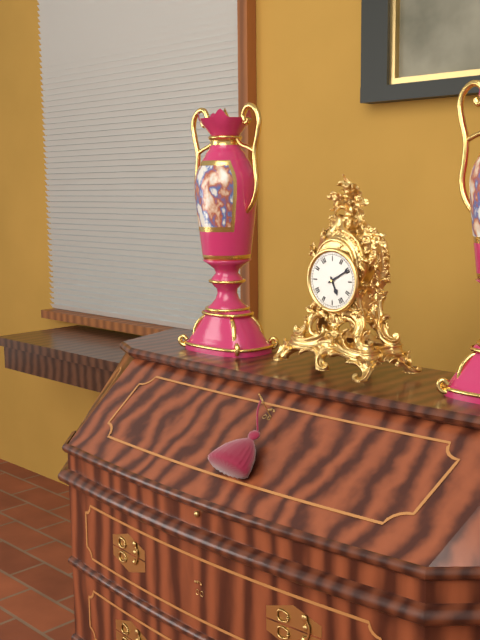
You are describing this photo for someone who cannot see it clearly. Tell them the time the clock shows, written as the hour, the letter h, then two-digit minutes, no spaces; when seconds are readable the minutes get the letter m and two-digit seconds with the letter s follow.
5h10
